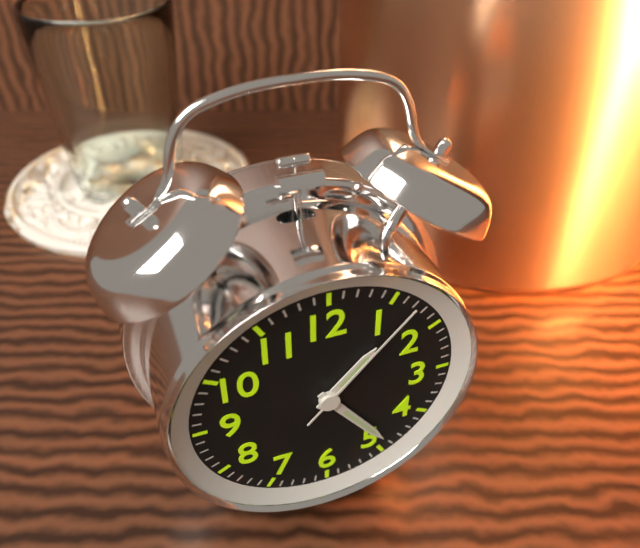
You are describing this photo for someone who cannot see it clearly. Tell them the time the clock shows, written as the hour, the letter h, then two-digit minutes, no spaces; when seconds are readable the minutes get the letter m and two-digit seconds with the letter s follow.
1h24m07s
